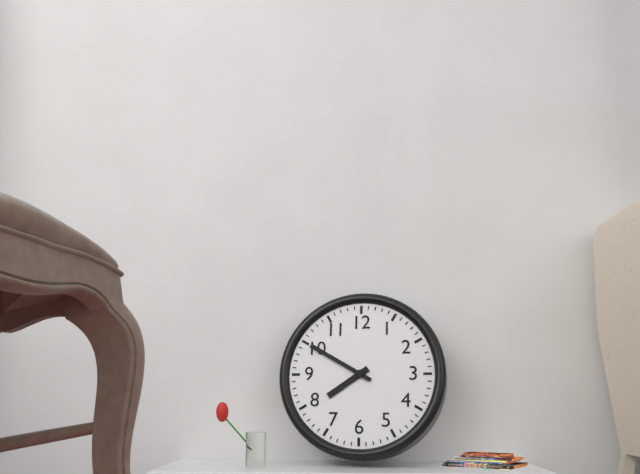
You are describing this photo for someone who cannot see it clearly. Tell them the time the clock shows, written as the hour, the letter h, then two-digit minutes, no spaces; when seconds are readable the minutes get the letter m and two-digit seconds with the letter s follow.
7h50
